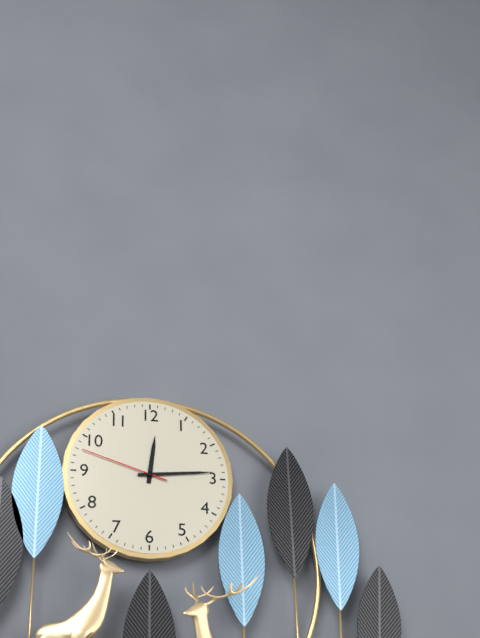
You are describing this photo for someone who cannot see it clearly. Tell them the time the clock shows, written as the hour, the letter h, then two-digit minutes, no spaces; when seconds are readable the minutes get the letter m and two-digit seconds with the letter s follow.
12h14m48s
